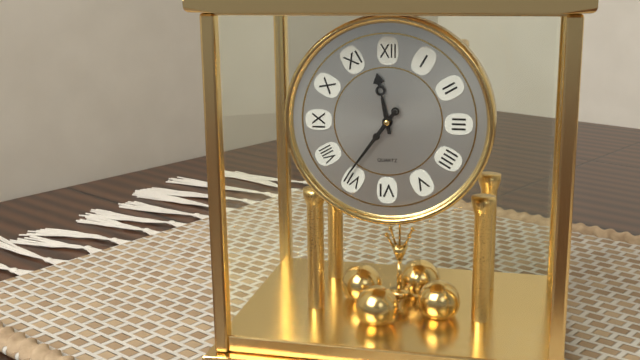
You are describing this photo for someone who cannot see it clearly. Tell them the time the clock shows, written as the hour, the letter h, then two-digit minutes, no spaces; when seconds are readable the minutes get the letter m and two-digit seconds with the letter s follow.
11h36
